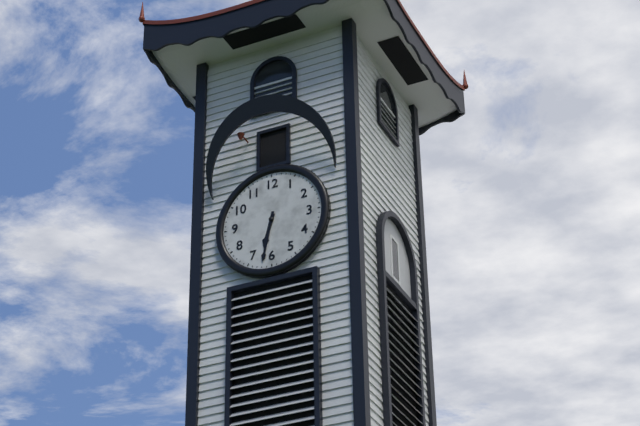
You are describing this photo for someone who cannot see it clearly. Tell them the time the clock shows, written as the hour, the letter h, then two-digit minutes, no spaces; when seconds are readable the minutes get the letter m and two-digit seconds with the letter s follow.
6h32
